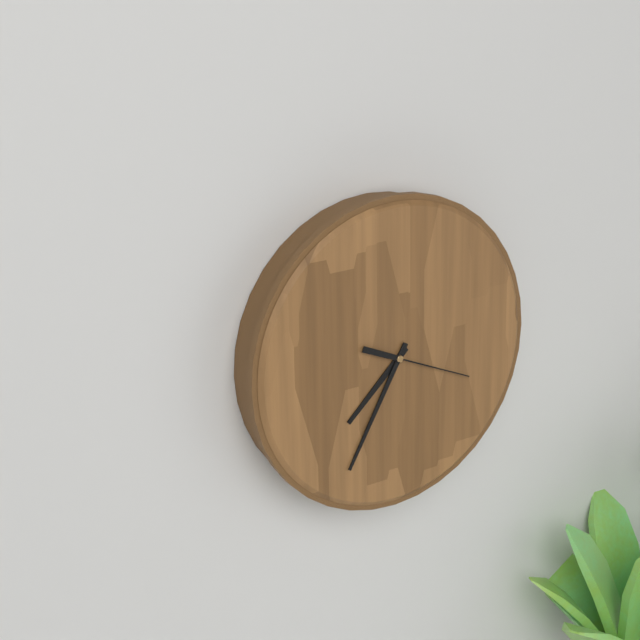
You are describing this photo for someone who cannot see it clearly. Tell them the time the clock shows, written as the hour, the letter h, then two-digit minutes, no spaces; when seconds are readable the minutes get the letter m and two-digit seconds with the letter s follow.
7h35m19s
